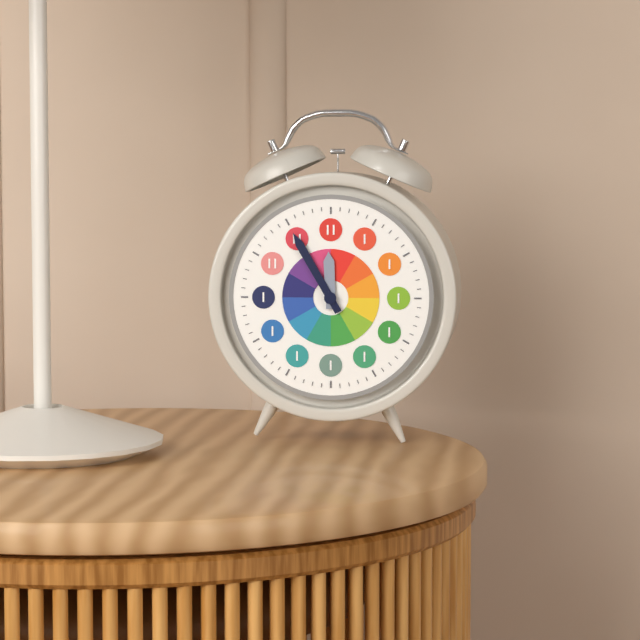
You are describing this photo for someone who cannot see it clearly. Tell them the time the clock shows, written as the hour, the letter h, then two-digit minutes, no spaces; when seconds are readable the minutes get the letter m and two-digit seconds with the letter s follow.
11h55
